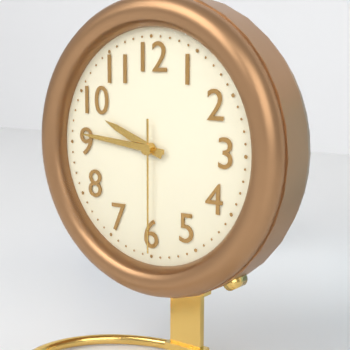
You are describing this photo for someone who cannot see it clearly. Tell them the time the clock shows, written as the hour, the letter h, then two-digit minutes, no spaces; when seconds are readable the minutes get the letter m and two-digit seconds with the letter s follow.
9h46m30s
